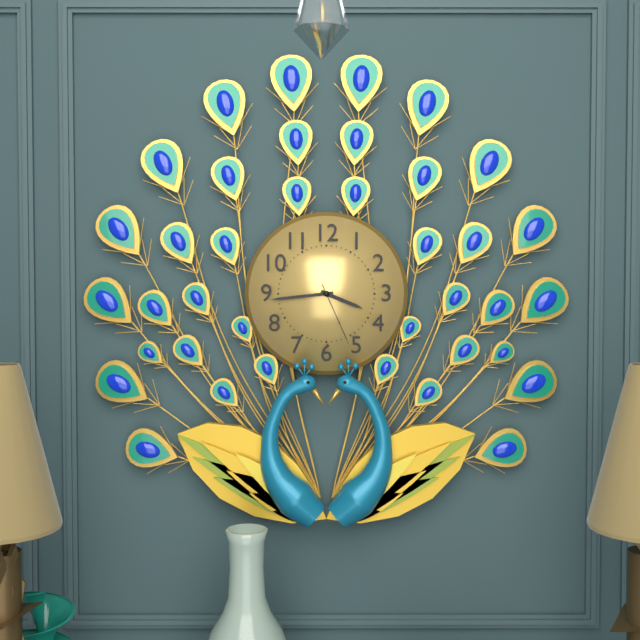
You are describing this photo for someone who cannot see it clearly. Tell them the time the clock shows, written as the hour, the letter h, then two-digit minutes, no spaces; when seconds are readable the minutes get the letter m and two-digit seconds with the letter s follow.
3h44m26s
